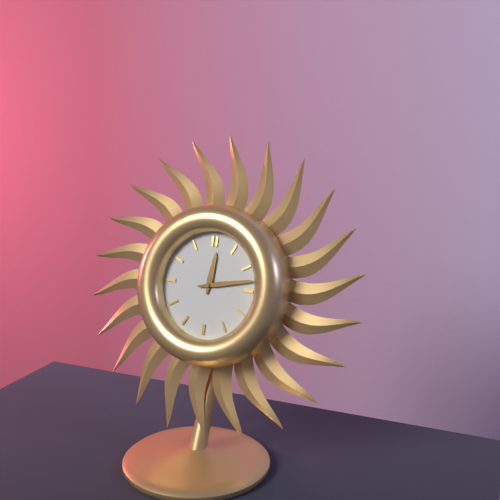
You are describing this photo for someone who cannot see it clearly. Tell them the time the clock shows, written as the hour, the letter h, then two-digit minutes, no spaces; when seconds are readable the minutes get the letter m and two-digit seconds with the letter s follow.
12h13
